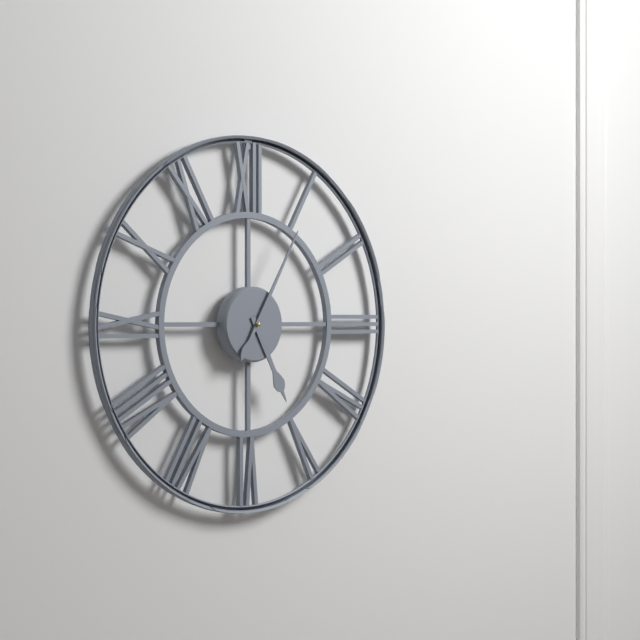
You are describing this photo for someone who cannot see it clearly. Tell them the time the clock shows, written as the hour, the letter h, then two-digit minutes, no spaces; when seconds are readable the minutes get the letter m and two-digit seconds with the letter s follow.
5h05
